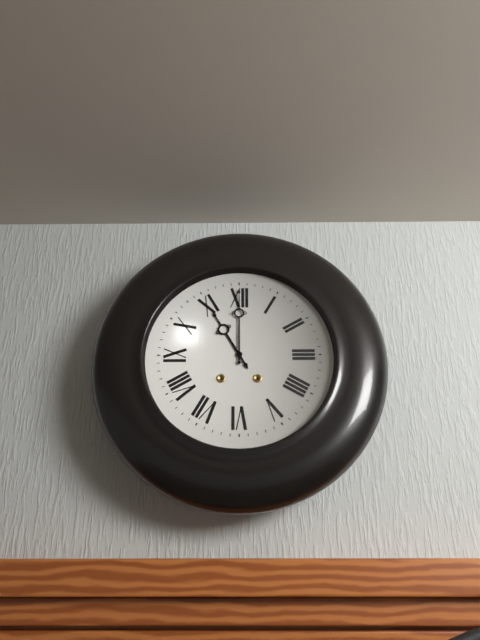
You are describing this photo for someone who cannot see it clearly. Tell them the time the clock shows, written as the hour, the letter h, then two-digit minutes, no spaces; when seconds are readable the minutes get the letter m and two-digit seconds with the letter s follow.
11h00
